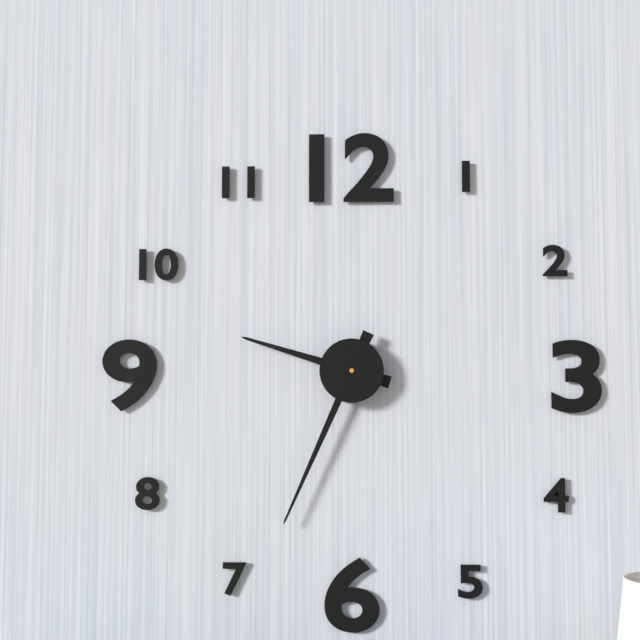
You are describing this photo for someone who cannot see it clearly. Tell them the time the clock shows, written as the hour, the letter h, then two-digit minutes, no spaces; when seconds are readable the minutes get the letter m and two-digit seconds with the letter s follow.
9h34
